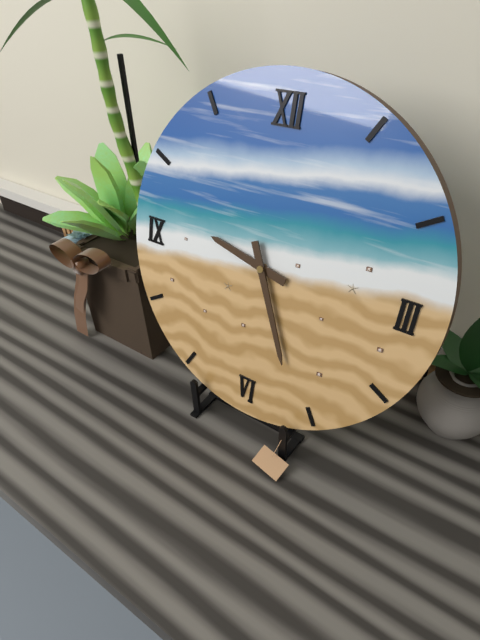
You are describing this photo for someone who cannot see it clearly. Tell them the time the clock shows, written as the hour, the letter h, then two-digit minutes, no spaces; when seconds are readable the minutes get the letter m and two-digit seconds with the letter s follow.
9h26
